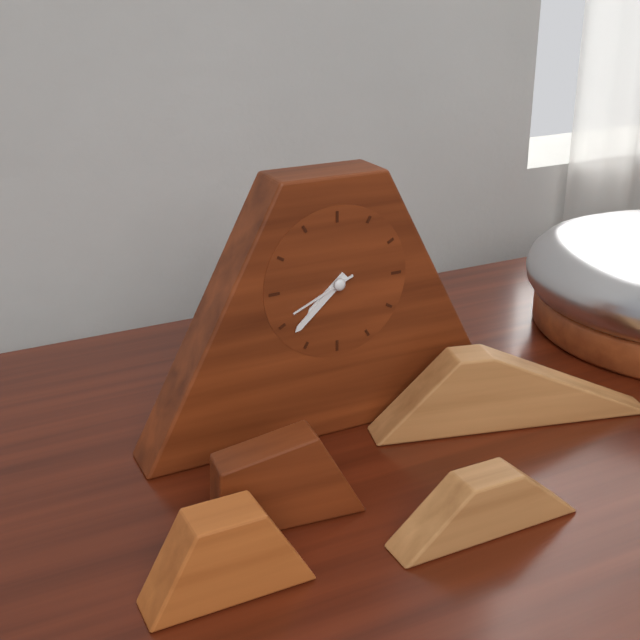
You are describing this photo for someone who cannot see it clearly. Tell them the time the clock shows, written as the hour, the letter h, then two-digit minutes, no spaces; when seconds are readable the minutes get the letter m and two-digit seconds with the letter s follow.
7h38m41s
